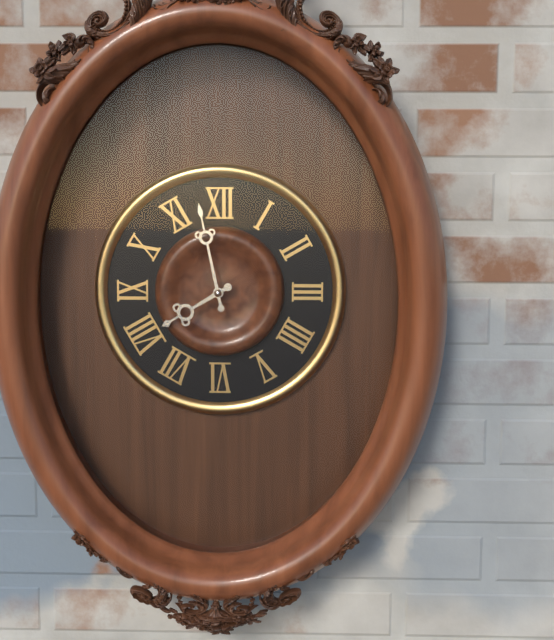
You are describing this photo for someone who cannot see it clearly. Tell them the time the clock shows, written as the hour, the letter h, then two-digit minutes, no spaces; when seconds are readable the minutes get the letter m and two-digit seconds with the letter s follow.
7h58
